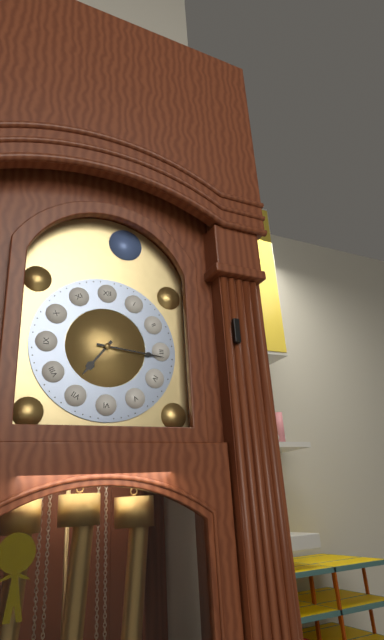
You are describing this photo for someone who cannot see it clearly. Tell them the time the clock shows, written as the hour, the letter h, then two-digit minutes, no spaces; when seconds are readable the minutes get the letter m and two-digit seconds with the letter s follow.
7h16
